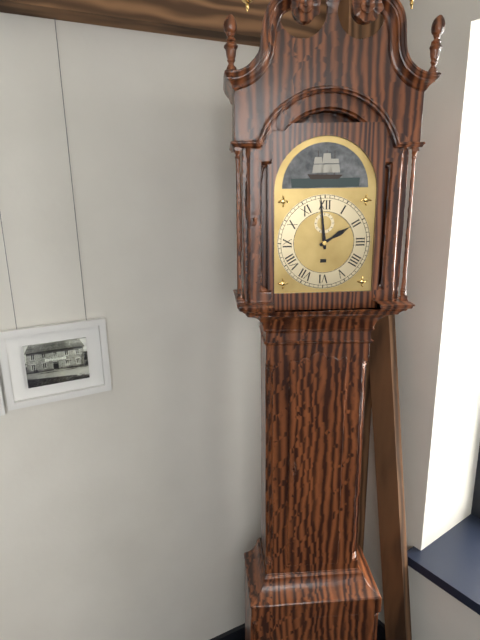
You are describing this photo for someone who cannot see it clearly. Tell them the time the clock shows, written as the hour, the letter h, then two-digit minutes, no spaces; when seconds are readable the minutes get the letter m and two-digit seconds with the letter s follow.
1h59
